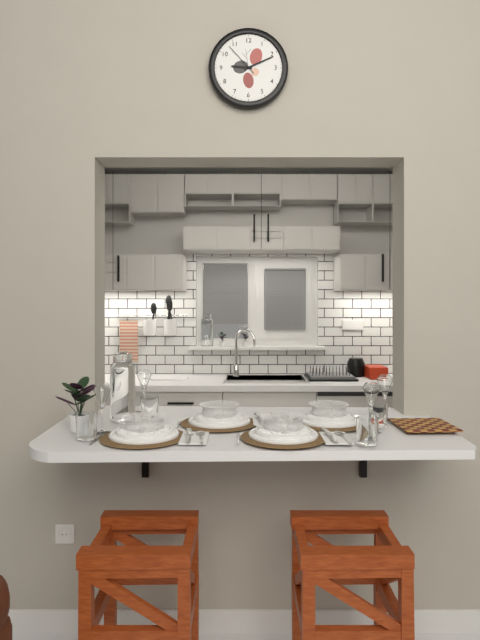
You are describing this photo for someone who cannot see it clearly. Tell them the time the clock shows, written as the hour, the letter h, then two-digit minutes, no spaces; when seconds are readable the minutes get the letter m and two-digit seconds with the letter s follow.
9h11
